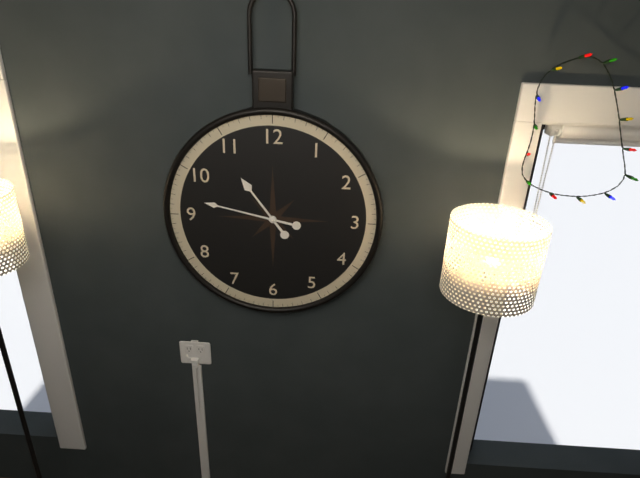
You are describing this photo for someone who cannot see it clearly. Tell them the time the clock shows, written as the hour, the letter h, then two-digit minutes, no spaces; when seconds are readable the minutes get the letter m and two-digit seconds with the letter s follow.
10h47
